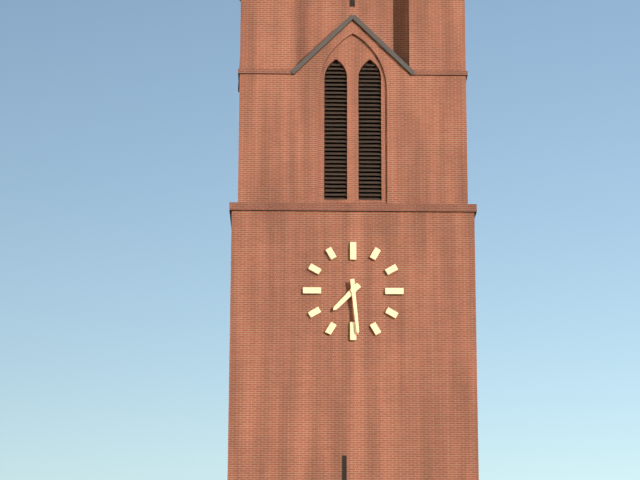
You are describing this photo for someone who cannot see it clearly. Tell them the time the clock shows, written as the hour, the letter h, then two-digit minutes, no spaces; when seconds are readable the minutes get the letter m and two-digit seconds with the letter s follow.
7h29
